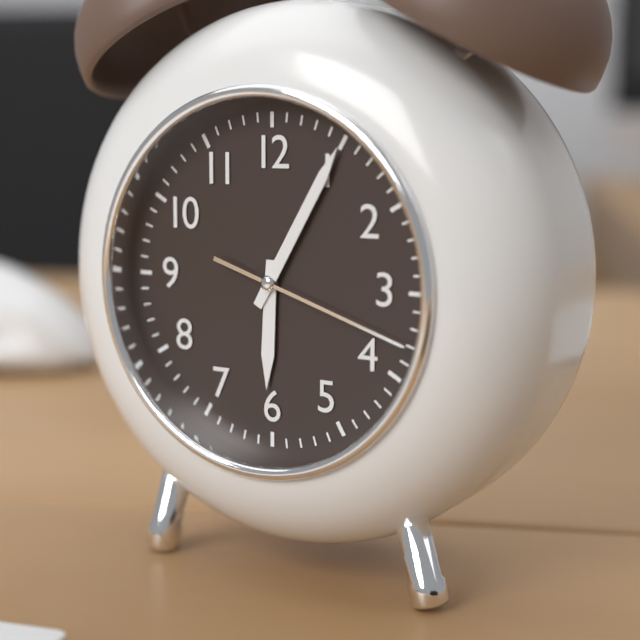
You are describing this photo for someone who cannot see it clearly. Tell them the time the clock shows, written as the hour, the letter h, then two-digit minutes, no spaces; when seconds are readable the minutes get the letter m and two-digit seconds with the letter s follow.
6h05m18s
